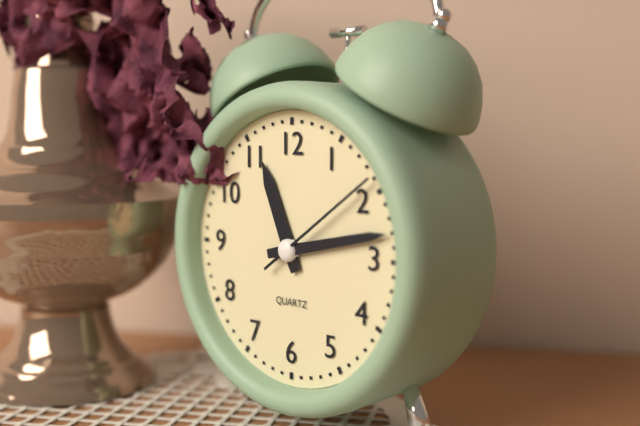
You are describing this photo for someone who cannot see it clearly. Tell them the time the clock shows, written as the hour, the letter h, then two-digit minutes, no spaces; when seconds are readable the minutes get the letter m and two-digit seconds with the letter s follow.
11h13m09s
